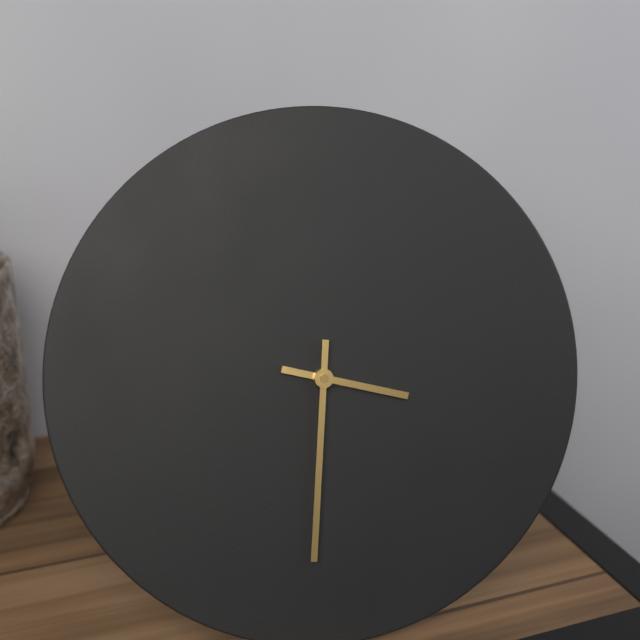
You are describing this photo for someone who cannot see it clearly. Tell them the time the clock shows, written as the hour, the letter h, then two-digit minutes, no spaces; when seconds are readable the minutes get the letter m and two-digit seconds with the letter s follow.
3h31
